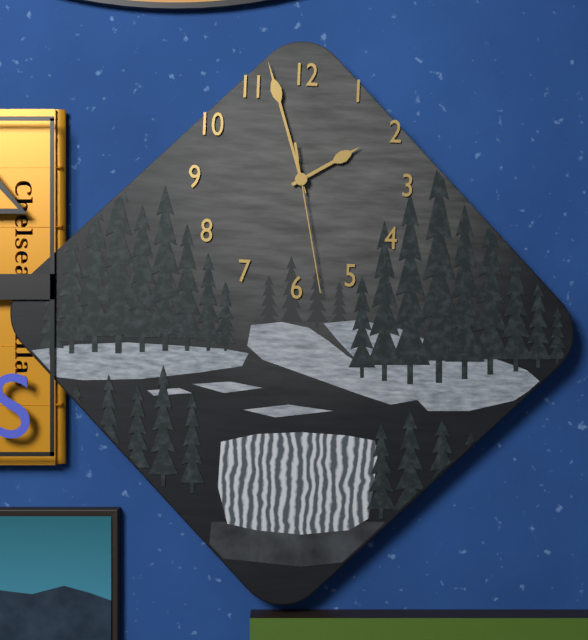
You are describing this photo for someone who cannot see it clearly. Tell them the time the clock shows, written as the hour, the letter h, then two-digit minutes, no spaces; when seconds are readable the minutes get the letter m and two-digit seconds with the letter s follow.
1h57m28s
